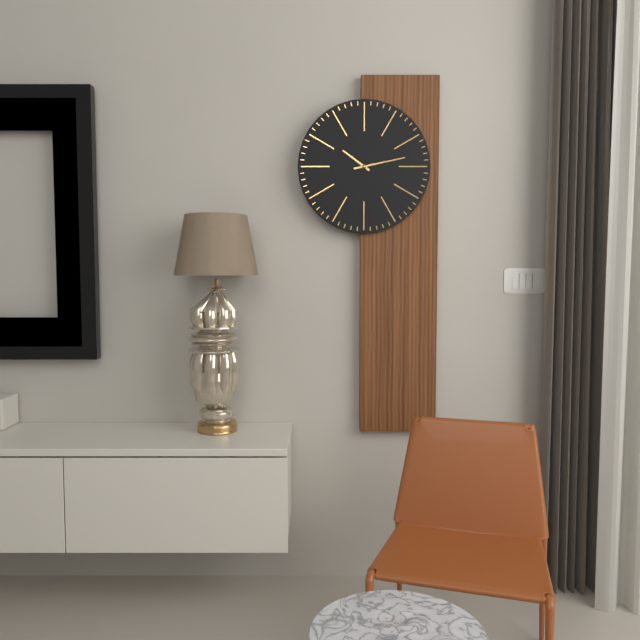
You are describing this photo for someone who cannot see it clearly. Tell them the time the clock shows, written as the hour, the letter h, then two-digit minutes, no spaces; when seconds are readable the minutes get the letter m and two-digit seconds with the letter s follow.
10h13
